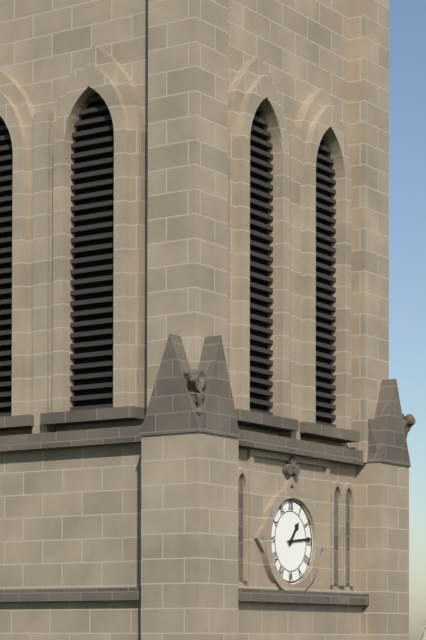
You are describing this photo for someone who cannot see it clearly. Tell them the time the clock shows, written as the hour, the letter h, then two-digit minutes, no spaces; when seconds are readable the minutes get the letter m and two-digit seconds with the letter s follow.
1h14
